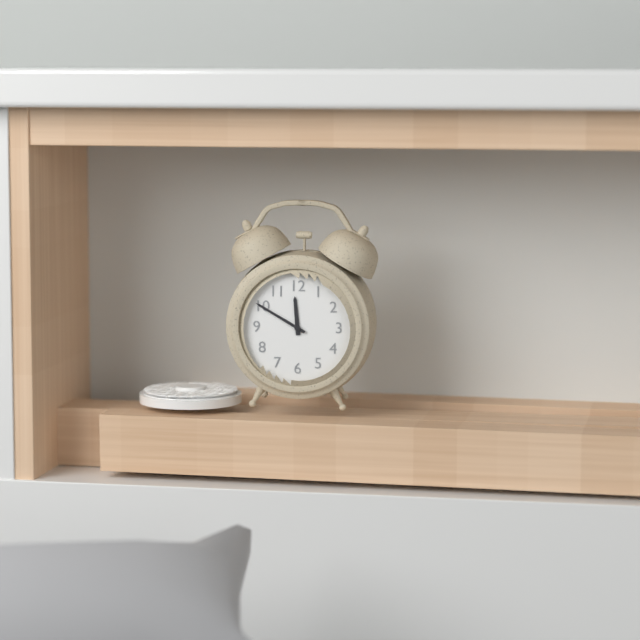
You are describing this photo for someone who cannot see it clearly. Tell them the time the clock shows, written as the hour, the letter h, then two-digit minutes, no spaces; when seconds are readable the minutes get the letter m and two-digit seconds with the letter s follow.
11h50
